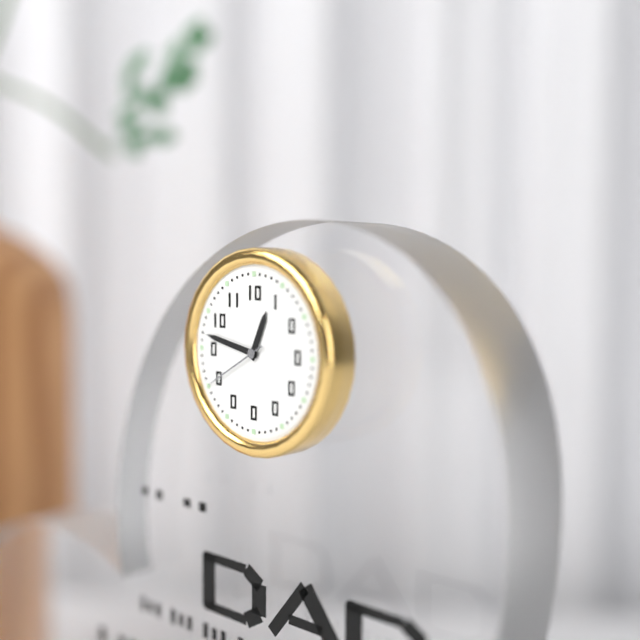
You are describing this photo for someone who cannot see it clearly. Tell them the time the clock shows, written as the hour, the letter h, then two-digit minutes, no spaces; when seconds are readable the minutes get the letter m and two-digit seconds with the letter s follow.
12h47m40s
